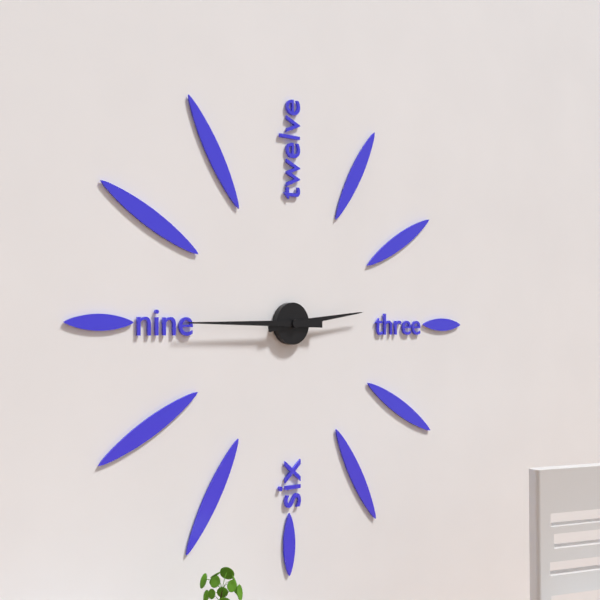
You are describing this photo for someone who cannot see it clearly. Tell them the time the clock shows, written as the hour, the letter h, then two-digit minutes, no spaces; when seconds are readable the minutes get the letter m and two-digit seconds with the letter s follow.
2h45
